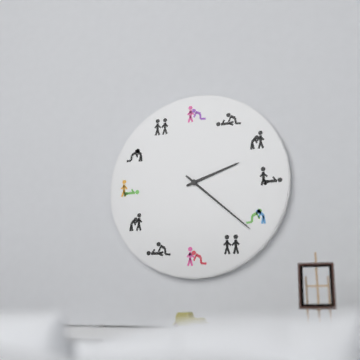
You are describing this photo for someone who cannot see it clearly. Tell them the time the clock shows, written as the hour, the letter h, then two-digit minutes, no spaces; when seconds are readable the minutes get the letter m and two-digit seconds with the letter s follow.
2h22
